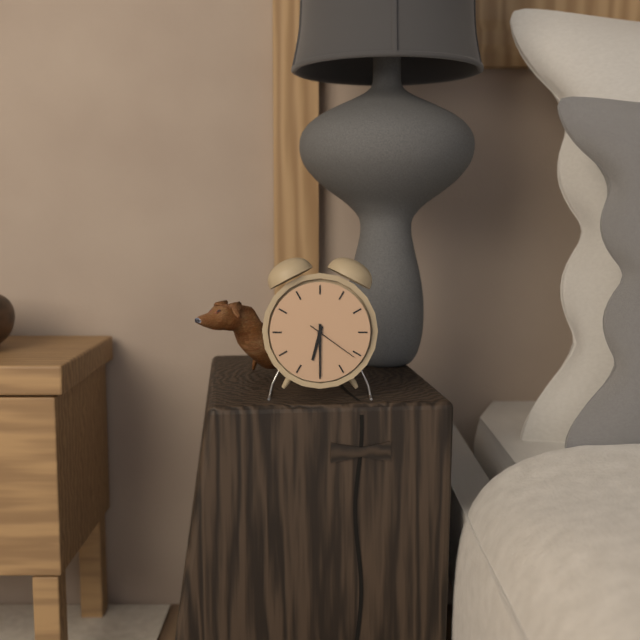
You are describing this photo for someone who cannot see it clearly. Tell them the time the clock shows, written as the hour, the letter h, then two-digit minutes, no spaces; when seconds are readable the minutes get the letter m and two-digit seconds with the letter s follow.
6h30m21s
